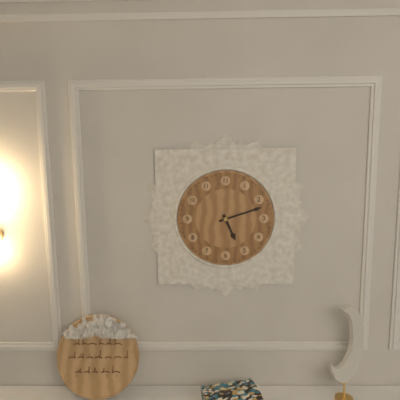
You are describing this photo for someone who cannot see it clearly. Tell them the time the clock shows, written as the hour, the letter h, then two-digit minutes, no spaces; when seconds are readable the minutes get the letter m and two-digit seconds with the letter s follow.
5h12
